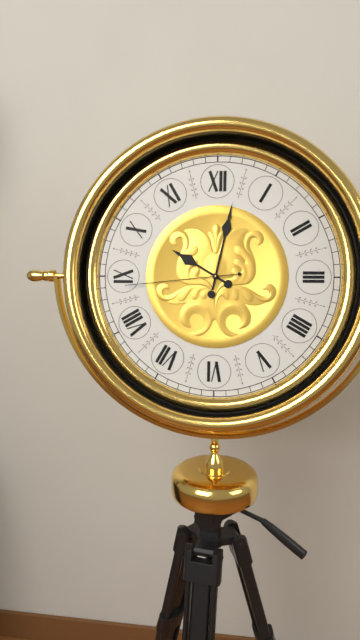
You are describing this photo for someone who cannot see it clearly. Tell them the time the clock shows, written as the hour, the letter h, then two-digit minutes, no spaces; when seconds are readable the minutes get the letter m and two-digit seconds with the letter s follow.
10h02m44s
